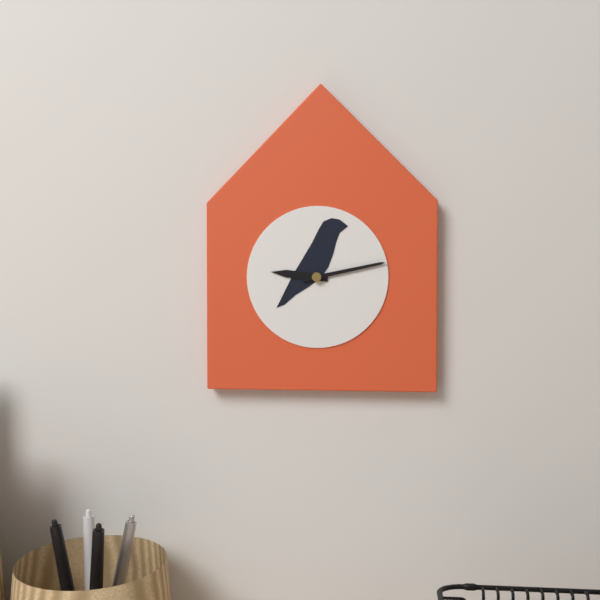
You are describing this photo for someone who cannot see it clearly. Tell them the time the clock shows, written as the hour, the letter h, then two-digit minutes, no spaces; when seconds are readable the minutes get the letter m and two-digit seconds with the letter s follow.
9h13
